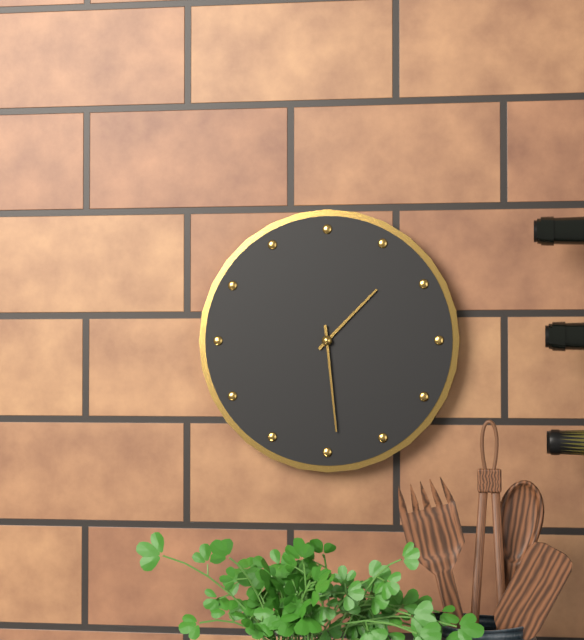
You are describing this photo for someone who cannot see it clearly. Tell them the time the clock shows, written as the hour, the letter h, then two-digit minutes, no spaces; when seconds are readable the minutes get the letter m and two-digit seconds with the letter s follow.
1h29
